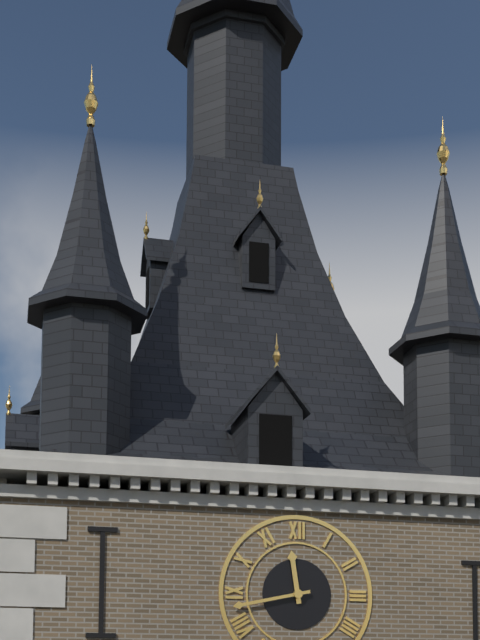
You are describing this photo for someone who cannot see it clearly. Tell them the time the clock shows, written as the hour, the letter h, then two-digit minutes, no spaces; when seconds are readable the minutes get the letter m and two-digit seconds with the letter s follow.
11h43
